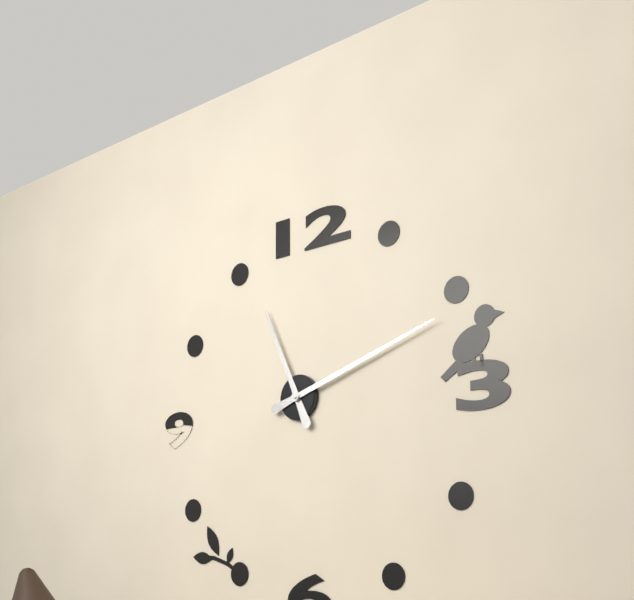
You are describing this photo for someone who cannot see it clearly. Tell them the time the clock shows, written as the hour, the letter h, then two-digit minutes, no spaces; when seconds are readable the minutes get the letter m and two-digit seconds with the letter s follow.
11h12
